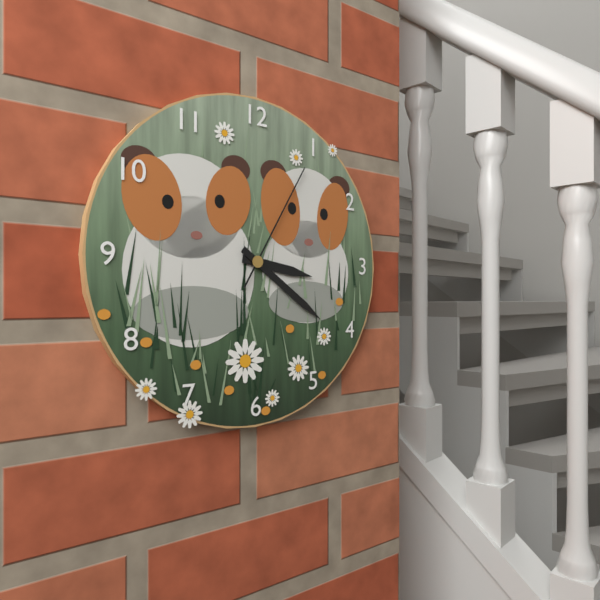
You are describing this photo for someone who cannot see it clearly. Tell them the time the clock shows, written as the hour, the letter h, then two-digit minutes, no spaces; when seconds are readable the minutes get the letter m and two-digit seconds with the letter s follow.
3h21m05s
